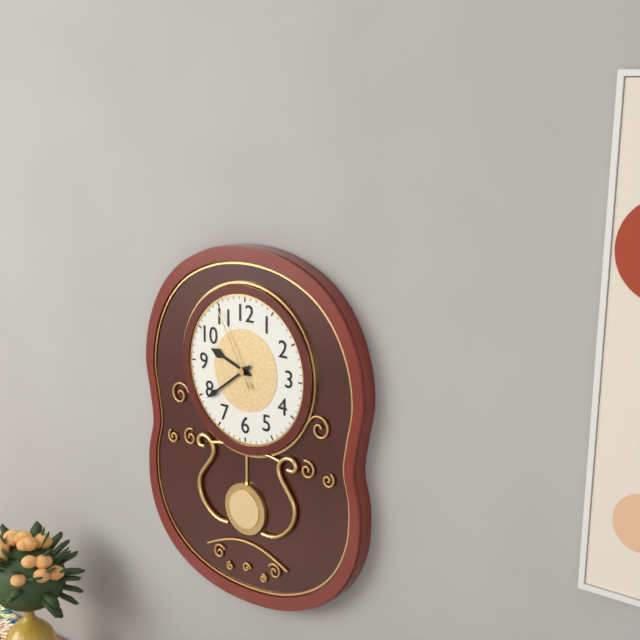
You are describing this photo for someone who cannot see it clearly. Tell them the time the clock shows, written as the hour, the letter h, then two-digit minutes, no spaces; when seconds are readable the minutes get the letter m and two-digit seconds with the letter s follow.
9h39m55s
